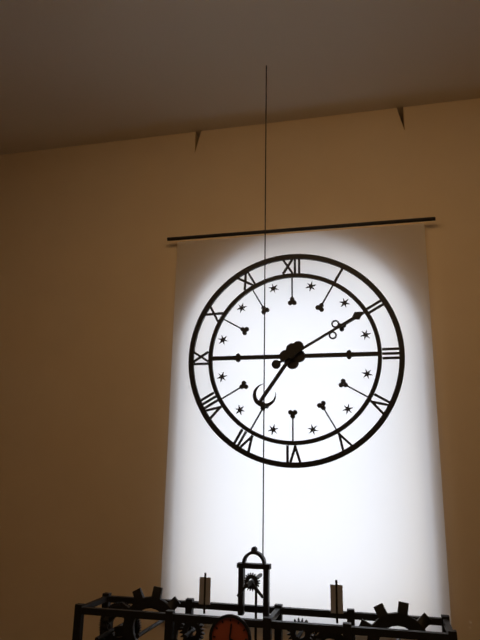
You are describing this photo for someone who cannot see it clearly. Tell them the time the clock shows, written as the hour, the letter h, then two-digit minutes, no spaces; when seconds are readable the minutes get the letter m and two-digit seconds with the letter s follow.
7h10
